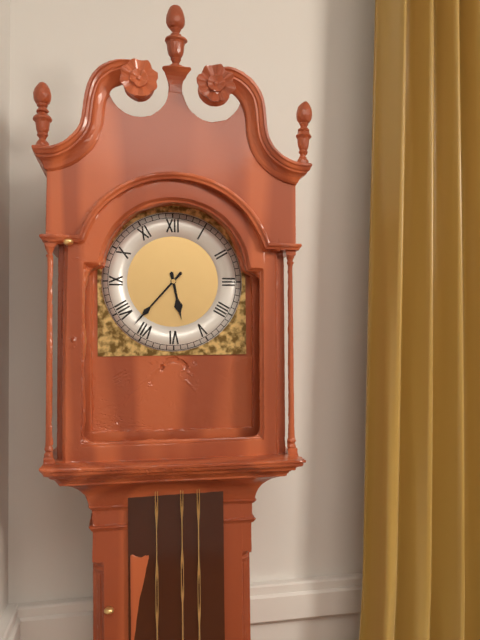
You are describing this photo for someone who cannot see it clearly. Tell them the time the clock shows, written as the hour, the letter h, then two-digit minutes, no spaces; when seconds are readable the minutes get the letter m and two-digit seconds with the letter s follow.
5h37
